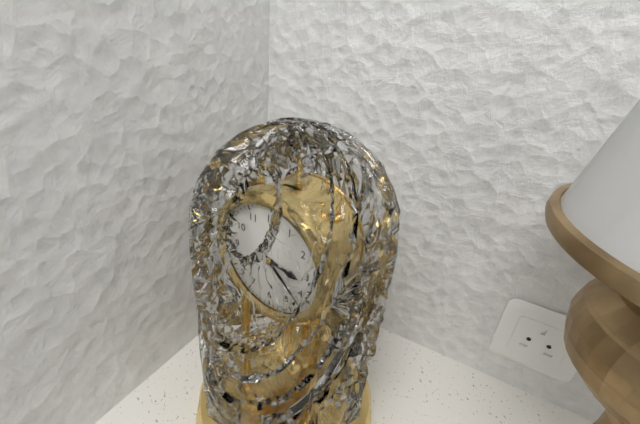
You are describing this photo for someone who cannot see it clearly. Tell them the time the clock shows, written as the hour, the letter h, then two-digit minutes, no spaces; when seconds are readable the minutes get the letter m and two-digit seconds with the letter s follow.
3h22
